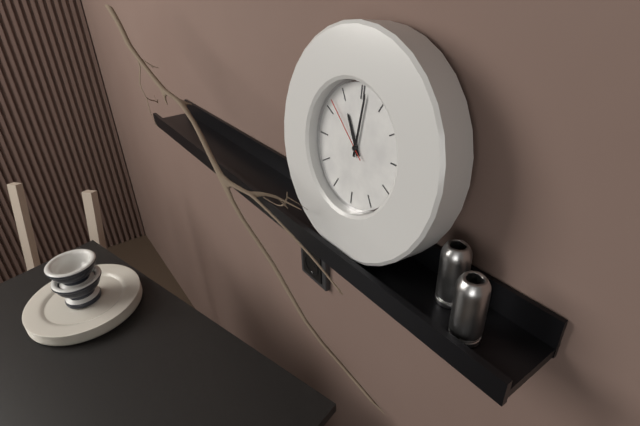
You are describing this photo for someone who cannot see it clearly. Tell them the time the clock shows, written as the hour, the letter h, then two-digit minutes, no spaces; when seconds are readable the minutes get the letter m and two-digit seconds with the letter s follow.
11h01m52s
